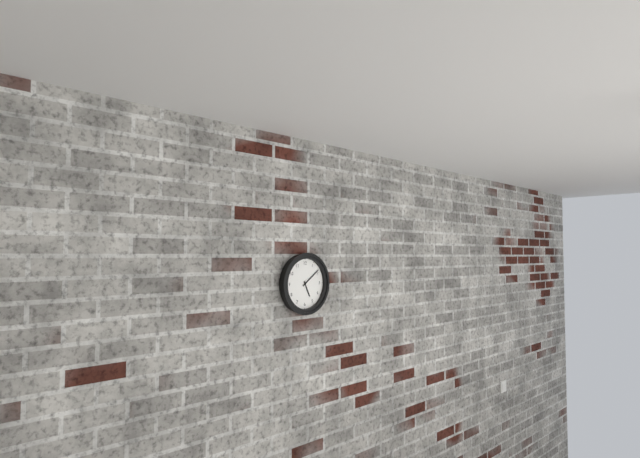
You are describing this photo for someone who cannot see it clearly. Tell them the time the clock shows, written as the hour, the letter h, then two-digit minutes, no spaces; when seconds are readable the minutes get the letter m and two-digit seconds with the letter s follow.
5h09
